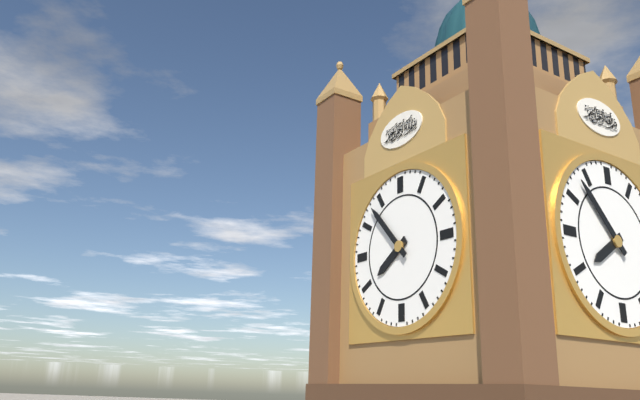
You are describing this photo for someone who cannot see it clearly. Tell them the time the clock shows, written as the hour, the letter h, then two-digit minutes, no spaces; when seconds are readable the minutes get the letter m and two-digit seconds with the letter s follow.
7h53
